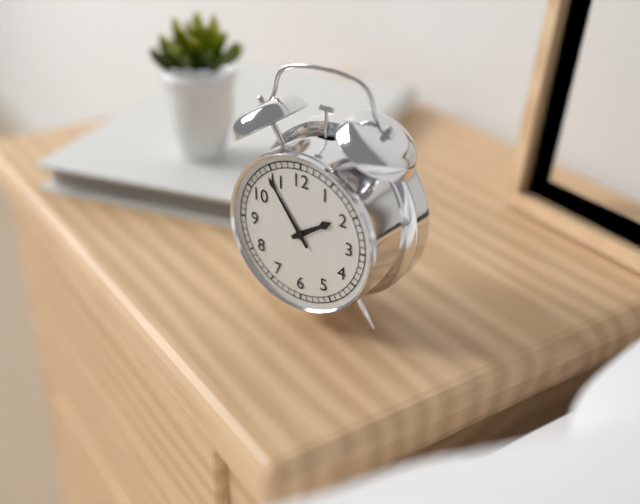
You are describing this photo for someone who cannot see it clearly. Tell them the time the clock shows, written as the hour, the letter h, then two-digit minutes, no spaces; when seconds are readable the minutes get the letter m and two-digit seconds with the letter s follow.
1h54
